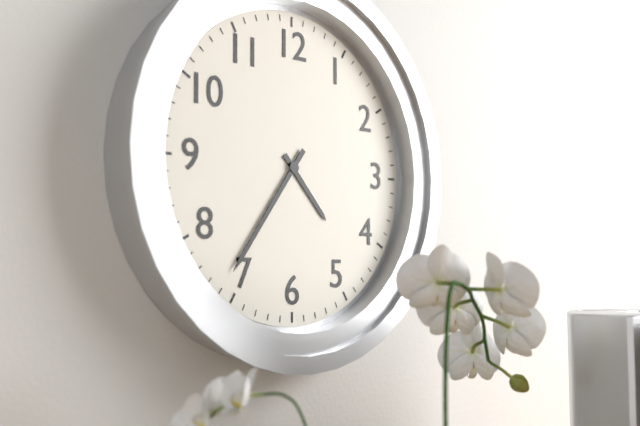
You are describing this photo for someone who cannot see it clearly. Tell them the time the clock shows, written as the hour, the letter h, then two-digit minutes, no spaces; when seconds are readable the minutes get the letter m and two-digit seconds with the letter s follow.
4h36
